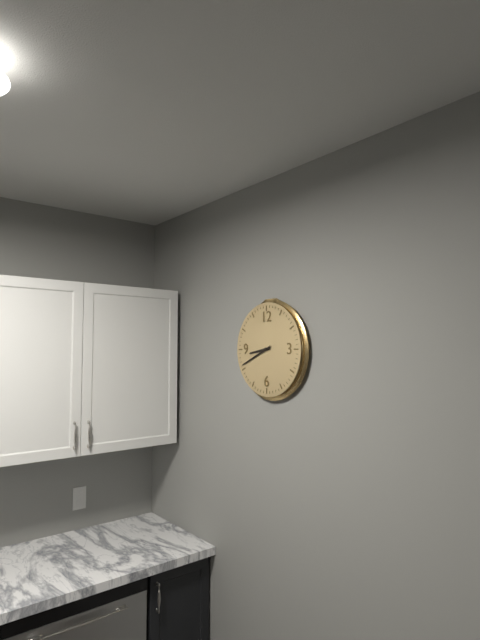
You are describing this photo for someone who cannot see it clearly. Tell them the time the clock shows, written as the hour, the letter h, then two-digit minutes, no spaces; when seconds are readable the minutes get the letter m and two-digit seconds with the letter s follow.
8h41
